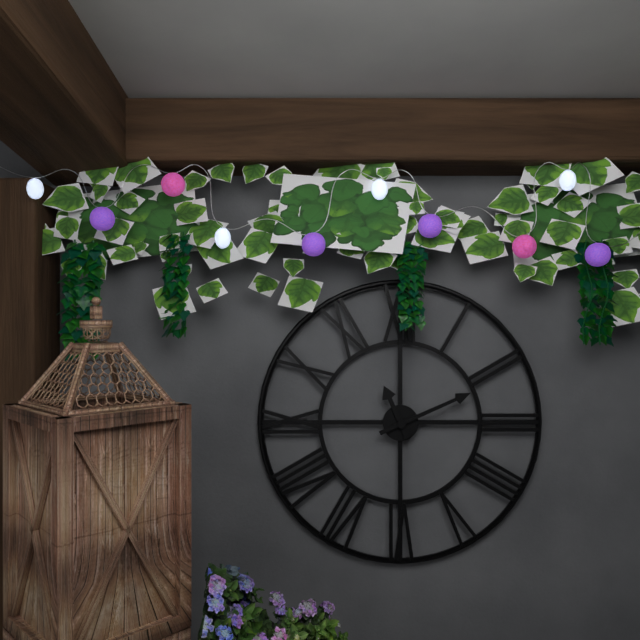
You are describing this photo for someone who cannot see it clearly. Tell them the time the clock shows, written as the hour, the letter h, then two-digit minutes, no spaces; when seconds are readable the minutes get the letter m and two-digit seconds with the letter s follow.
11h11
